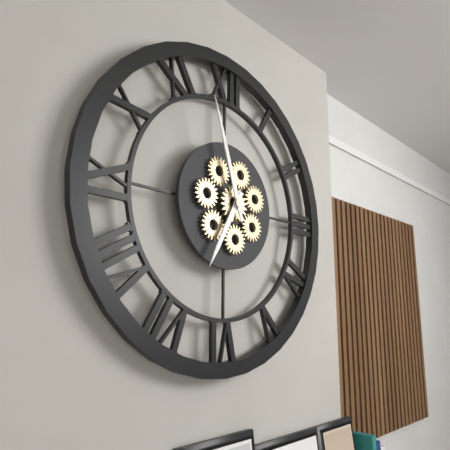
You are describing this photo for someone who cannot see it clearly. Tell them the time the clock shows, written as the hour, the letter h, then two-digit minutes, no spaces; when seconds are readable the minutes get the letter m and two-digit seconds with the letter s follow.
6h57
